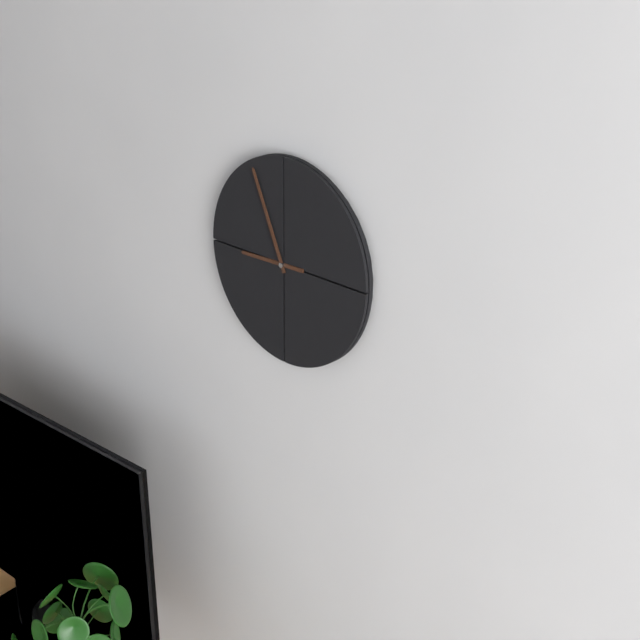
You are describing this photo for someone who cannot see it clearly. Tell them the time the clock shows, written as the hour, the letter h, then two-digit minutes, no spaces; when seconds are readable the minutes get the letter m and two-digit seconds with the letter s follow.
8h56
